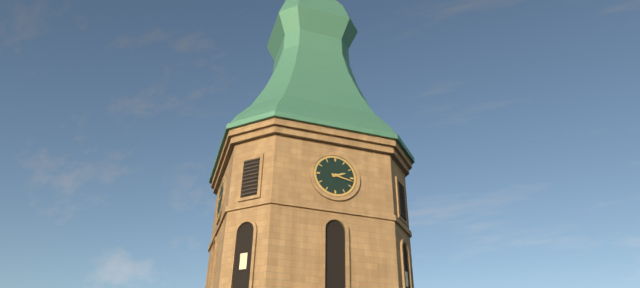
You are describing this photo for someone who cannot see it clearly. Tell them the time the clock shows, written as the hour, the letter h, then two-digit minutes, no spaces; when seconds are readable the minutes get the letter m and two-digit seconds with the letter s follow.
2h17
